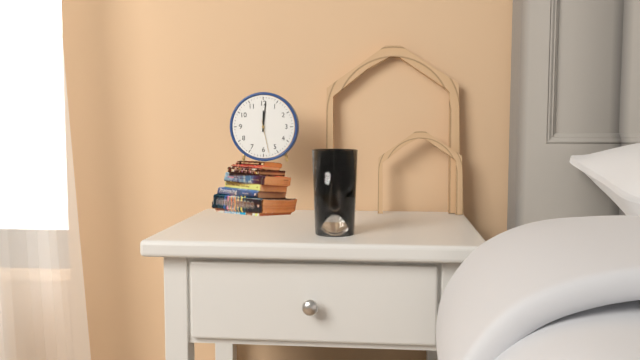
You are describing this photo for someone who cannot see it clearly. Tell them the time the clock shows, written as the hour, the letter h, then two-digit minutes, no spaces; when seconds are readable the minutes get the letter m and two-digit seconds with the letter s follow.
12h01
